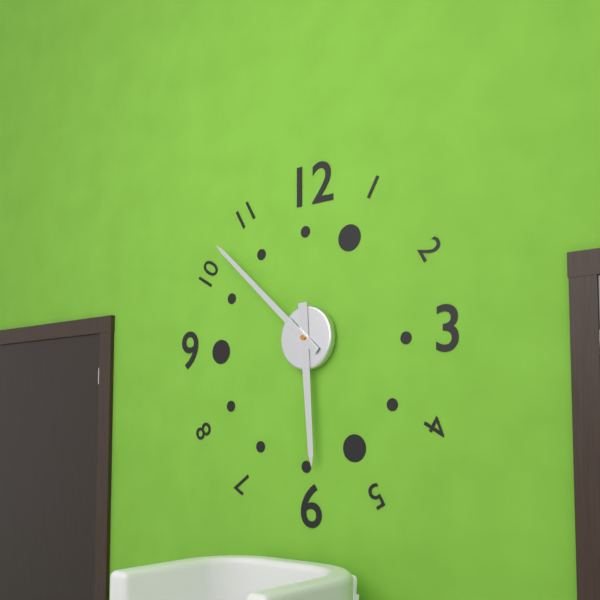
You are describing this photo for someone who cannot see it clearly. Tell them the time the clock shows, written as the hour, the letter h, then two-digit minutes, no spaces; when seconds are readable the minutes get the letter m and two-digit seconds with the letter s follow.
5h52
